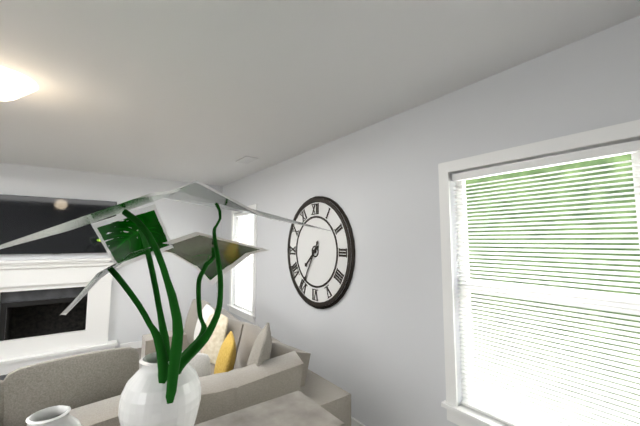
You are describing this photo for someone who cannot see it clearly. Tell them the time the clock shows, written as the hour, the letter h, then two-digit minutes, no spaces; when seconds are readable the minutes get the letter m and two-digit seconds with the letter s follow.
7h35
